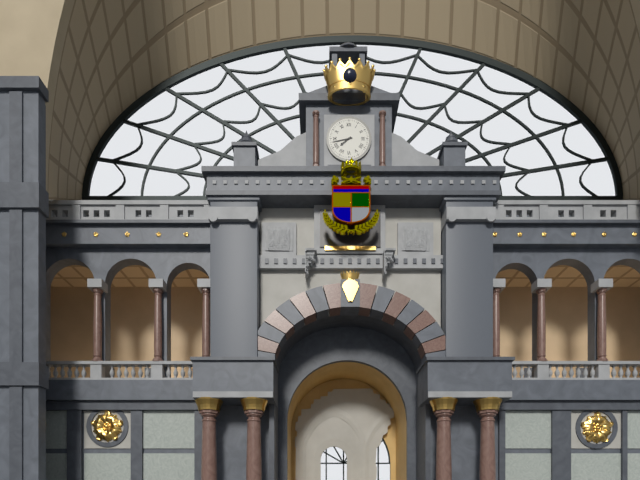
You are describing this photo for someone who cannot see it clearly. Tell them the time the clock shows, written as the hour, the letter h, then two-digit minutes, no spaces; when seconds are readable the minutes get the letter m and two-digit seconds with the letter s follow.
7h43
